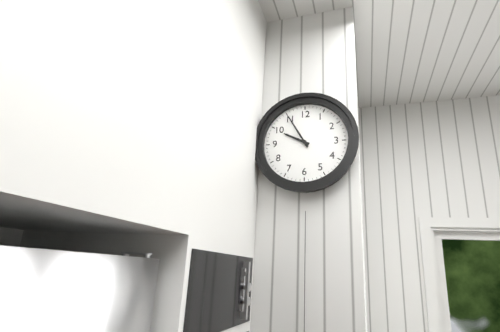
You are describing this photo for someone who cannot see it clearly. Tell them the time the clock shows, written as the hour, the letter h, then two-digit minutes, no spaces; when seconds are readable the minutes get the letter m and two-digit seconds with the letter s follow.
9h55
